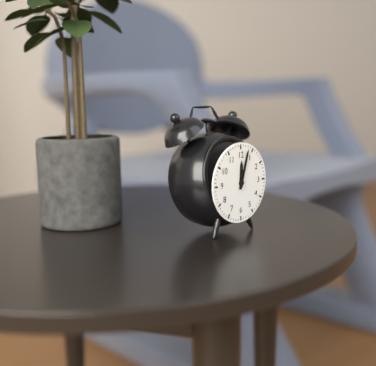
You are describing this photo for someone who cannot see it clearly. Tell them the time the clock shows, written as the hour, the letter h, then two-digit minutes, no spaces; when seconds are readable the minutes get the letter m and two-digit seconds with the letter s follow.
12h03
